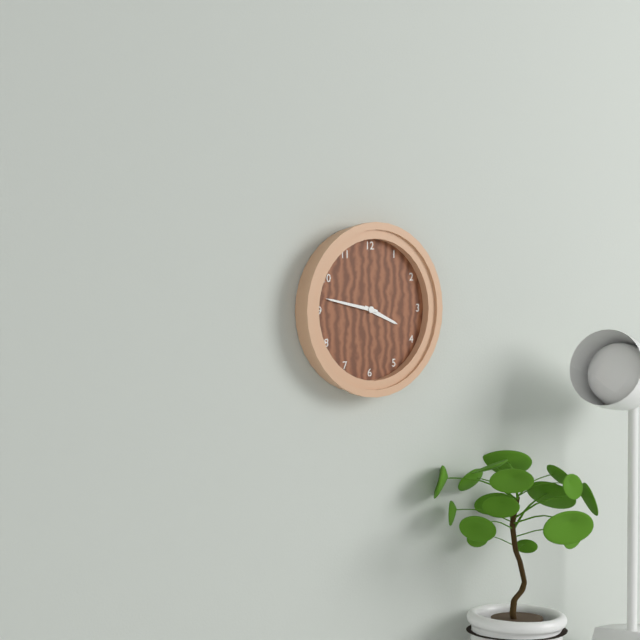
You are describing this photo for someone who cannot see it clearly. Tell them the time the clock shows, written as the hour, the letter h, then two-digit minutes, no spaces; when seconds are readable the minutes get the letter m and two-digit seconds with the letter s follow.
3h47
